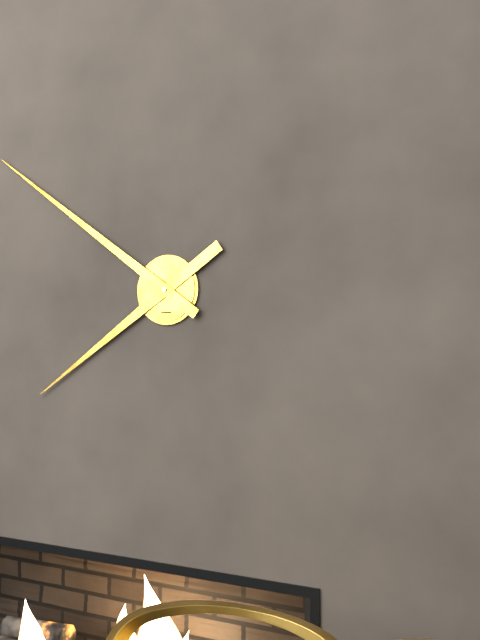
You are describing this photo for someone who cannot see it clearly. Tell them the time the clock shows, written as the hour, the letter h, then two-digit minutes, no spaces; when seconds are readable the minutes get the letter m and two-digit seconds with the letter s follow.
7h51
